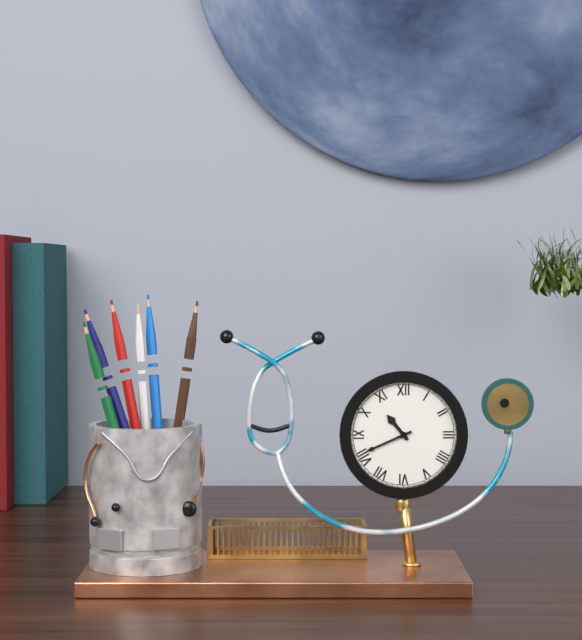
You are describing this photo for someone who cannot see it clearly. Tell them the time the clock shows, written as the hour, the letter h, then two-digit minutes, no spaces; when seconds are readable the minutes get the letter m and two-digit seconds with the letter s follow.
10h41
